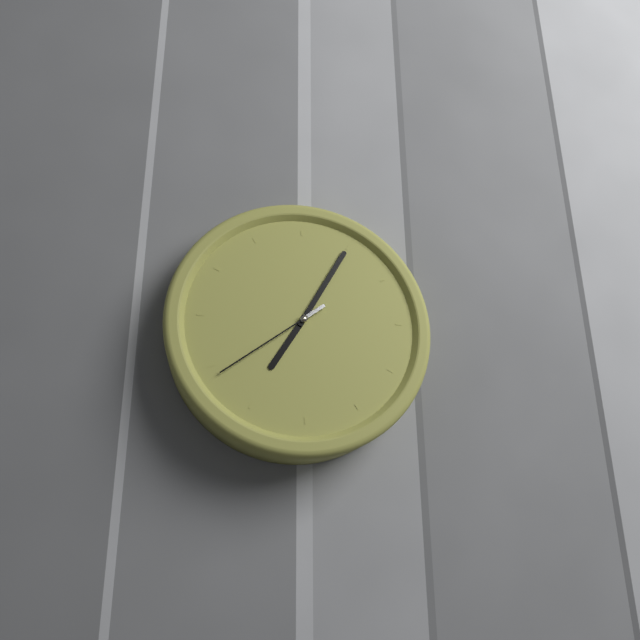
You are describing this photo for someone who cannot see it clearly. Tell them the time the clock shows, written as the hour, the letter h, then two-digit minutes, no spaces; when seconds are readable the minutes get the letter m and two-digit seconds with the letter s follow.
7h05m39s
